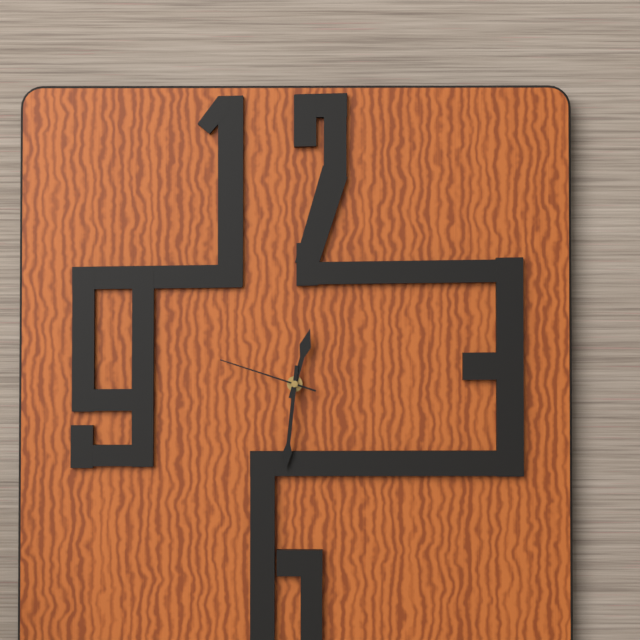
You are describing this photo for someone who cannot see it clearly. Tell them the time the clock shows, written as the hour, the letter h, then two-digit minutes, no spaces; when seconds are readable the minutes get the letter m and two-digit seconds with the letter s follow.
12h31m48s
